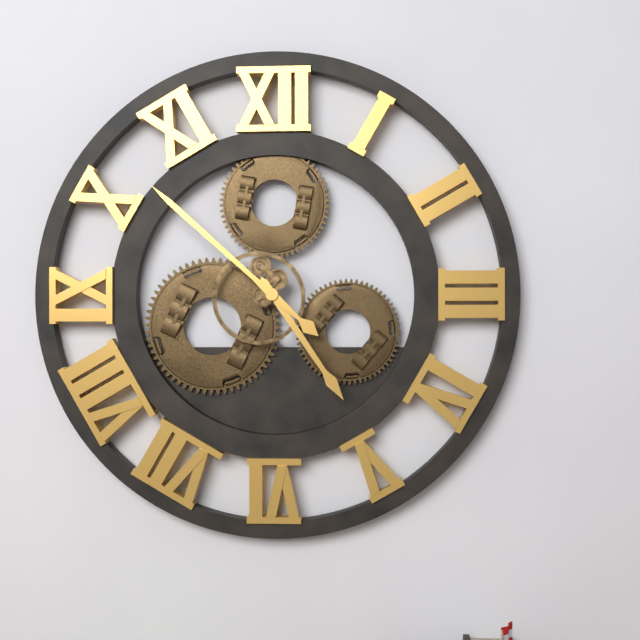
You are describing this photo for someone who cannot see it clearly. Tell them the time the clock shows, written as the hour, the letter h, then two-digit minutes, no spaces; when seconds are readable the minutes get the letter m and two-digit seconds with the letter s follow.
4h52
